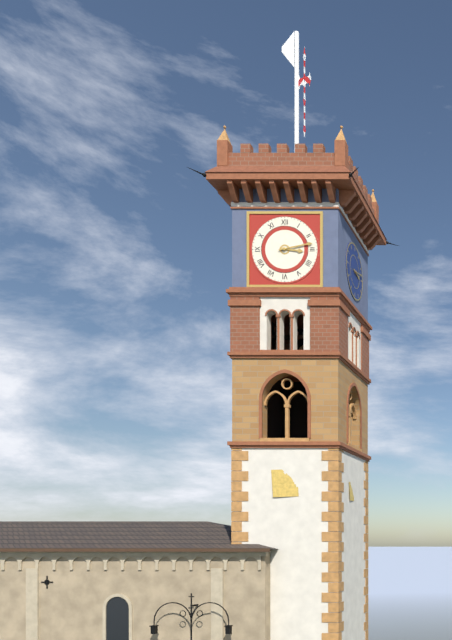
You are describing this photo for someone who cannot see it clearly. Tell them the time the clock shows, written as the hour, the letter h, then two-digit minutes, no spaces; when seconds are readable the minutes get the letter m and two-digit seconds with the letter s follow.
3h13
